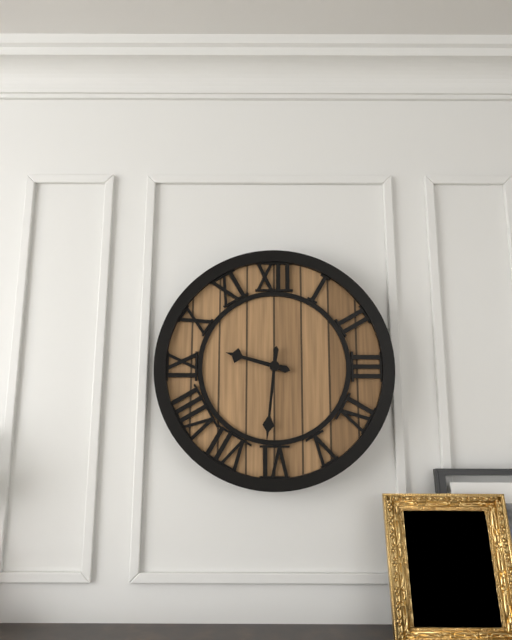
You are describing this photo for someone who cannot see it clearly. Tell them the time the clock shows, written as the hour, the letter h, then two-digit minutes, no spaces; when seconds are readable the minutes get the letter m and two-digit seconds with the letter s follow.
9h31
